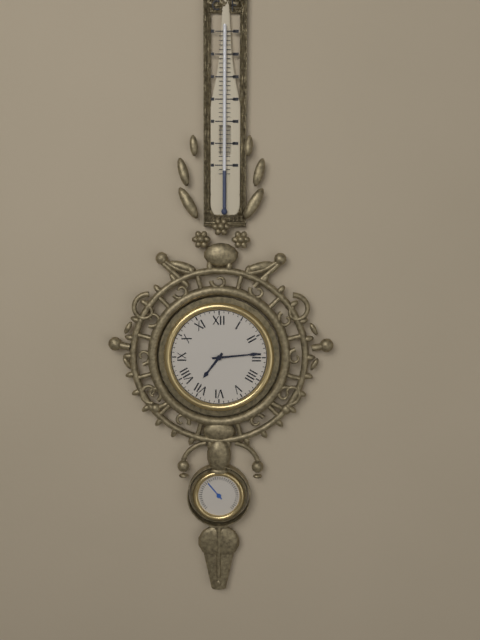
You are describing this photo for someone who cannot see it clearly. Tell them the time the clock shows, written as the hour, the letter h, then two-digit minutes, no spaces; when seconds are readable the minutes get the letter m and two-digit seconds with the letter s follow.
7h14
